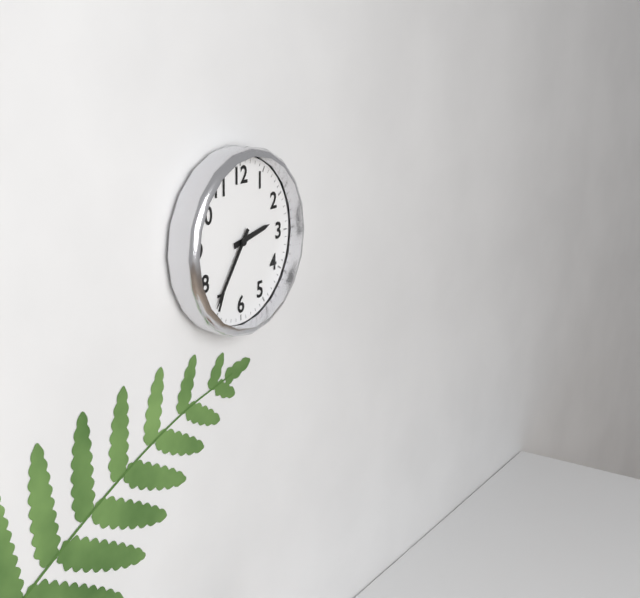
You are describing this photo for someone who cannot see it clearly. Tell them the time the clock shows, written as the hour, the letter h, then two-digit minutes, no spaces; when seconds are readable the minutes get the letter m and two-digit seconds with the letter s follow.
2h36
